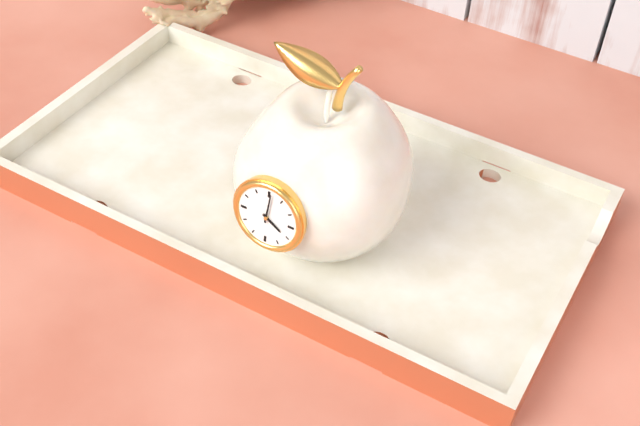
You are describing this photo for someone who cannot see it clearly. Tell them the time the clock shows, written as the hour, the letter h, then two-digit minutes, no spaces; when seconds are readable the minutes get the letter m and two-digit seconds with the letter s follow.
4h01
